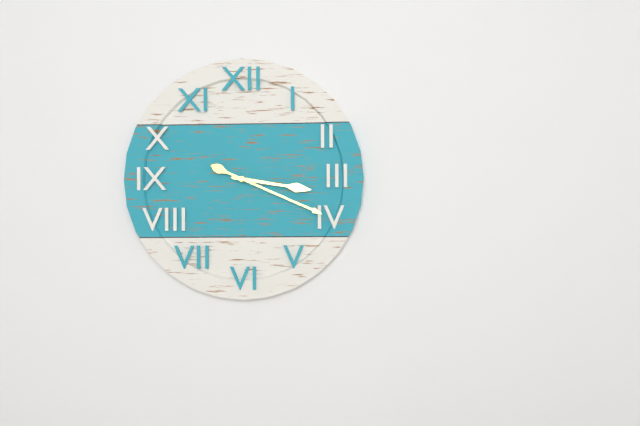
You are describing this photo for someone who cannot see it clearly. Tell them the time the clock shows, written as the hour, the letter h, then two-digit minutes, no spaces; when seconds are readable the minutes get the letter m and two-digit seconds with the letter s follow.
3h19
